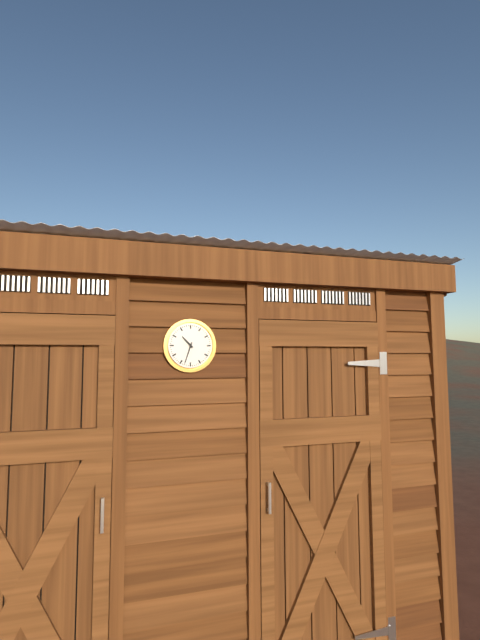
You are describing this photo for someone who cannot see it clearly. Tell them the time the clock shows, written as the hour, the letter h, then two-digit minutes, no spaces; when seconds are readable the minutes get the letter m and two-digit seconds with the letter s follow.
10h33
